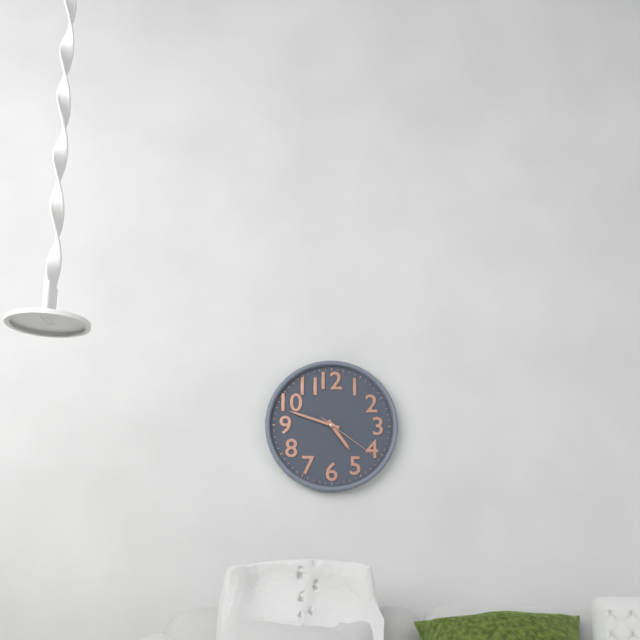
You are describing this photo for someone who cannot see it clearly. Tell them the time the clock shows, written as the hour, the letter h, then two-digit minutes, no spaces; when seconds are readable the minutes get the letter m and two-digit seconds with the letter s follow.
4h48m21s
